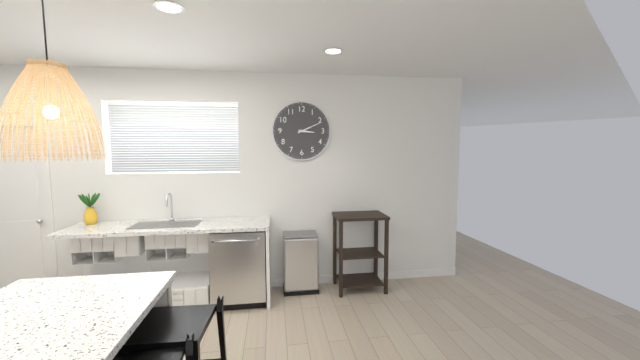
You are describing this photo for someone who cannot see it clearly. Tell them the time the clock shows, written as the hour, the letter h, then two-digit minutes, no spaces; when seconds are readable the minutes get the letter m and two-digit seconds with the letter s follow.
3h11
